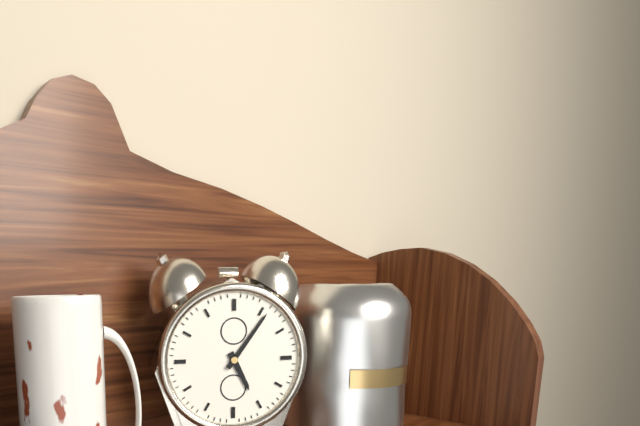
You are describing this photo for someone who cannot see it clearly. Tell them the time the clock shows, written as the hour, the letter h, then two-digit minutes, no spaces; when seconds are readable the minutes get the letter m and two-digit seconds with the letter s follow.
5h06
